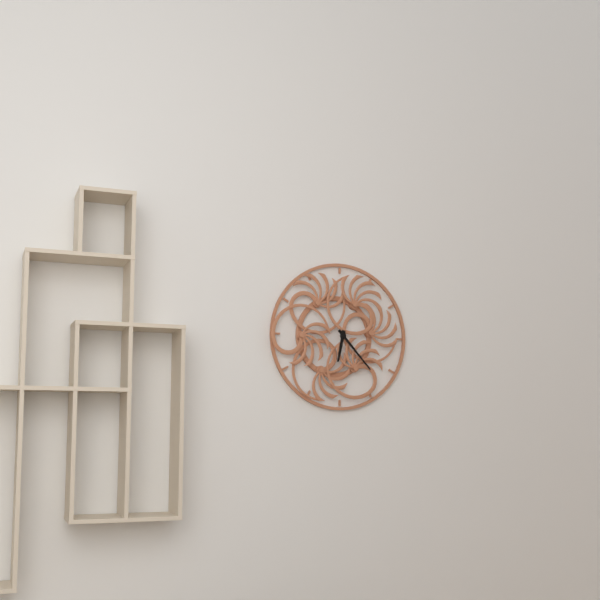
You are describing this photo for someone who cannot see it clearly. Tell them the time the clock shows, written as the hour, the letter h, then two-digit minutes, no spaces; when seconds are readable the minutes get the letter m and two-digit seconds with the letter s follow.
6h23
